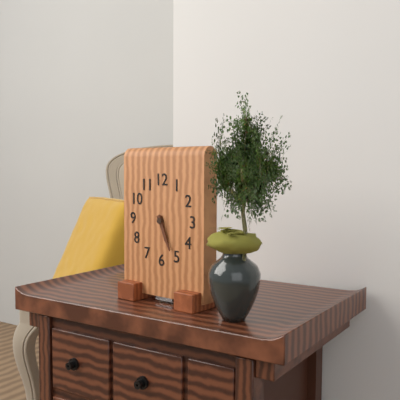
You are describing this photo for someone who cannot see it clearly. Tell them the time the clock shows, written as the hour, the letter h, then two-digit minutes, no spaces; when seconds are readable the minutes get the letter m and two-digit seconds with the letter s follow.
5h26
